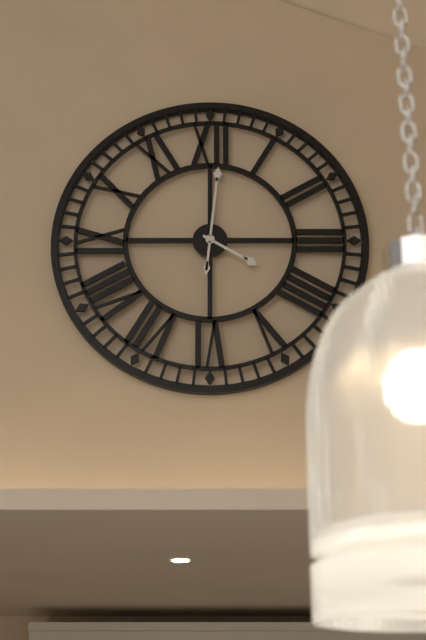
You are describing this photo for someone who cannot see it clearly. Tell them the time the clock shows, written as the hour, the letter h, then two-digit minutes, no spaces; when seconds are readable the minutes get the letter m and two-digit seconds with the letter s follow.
4h01
